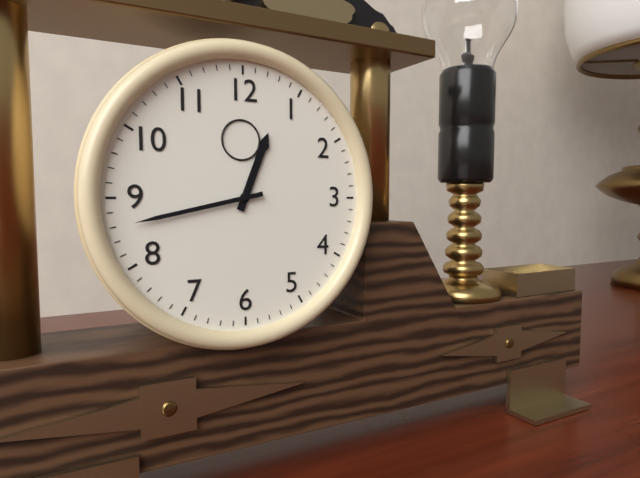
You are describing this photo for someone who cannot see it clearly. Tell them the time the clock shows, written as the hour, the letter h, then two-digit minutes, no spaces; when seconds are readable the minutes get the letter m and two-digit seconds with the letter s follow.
12h43
